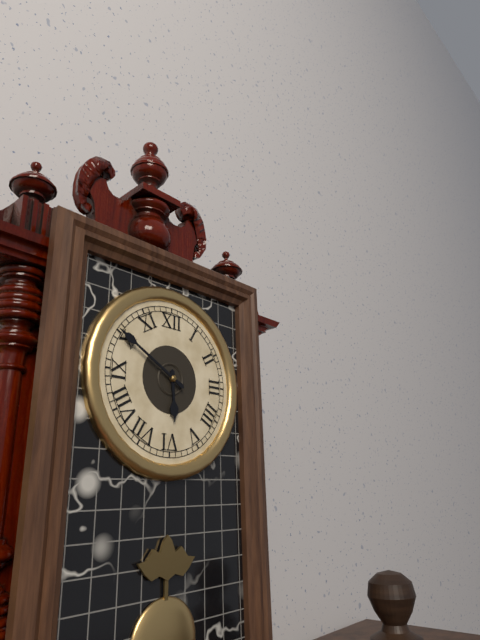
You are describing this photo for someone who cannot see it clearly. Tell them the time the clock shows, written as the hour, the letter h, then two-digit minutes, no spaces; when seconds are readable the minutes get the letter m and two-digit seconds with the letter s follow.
5h50
